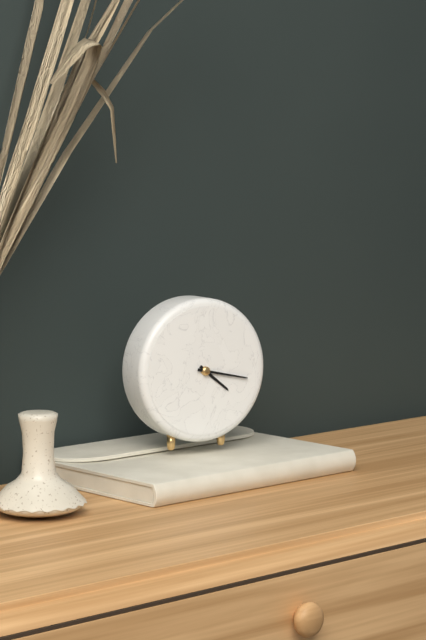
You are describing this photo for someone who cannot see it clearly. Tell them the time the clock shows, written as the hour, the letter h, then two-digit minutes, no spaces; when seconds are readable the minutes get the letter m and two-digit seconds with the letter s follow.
4h17
